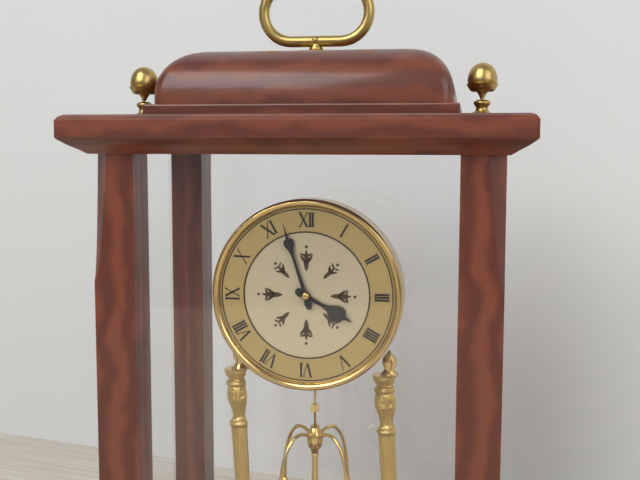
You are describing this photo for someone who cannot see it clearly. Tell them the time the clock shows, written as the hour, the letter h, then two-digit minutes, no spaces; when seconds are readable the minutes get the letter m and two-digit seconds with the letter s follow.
3h57
